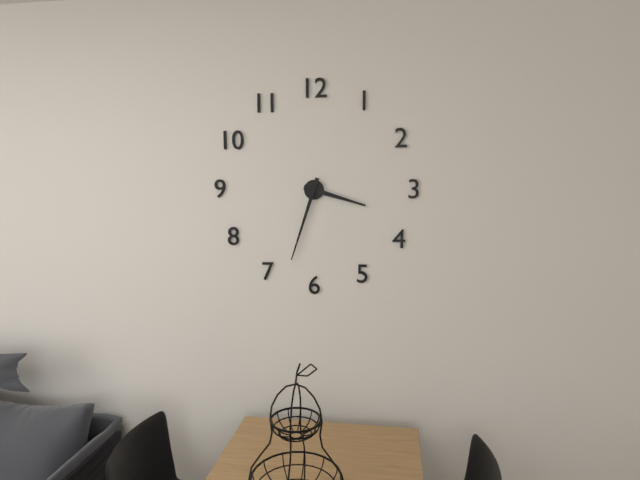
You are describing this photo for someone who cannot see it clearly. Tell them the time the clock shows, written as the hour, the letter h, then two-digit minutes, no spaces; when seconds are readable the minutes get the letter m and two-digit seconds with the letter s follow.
3h33
